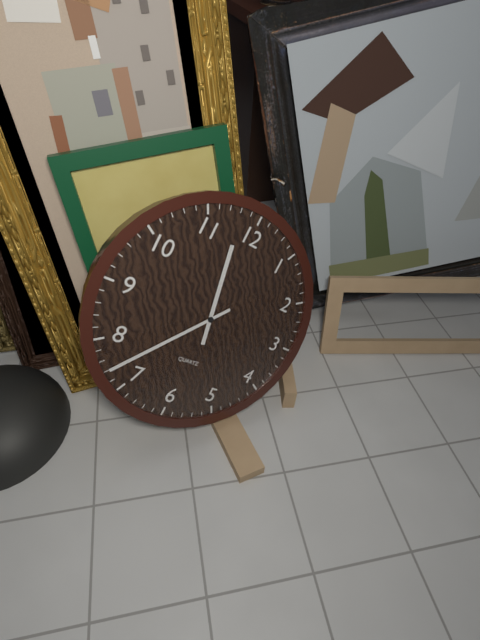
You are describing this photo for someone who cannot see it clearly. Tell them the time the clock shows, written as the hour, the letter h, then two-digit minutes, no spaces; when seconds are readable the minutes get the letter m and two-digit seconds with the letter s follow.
11h37
